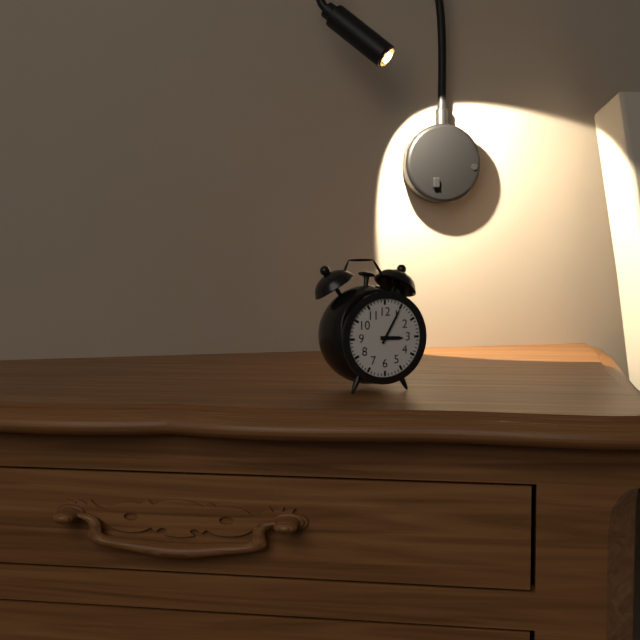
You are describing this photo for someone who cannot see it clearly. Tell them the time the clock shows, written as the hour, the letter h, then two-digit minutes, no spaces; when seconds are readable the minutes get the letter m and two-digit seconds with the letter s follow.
3h05
